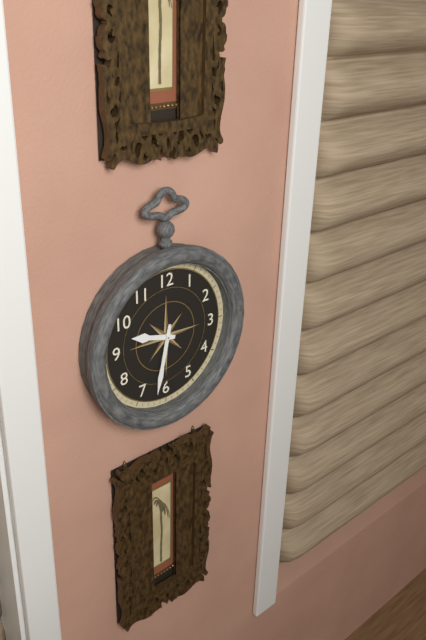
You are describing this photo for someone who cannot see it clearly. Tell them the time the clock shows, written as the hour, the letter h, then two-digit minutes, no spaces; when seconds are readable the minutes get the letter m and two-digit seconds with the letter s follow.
9h32
